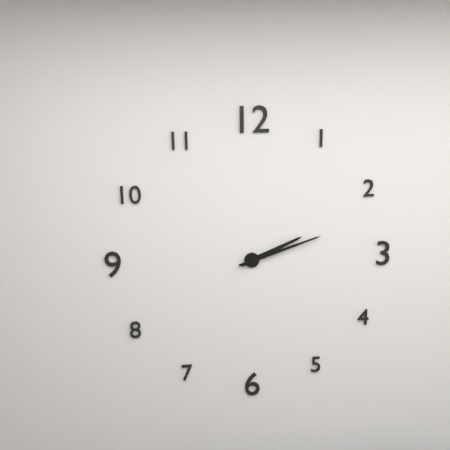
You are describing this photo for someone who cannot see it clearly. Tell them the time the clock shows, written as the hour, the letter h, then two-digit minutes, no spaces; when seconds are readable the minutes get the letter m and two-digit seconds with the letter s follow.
2h12
